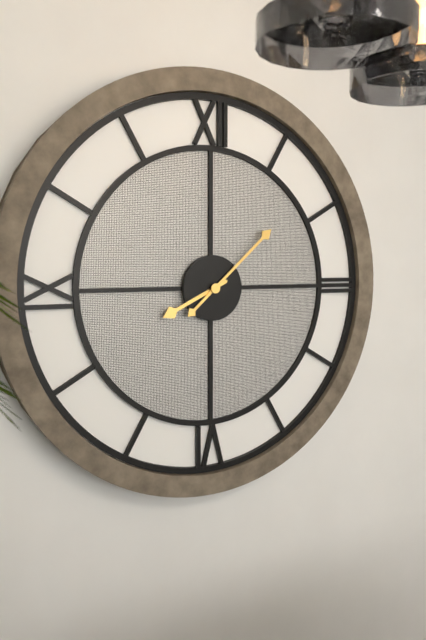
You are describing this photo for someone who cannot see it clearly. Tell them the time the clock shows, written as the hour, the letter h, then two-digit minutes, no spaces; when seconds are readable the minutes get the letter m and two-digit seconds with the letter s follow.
8h08
